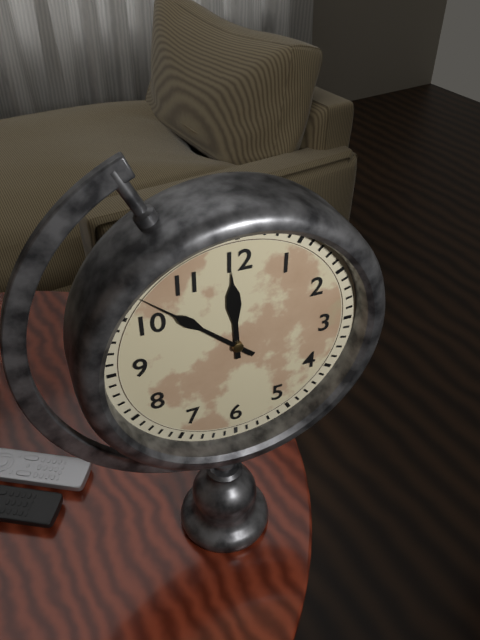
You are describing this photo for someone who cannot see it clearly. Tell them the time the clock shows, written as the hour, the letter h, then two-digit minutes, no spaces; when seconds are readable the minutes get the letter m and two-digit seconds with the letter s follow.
11h52
